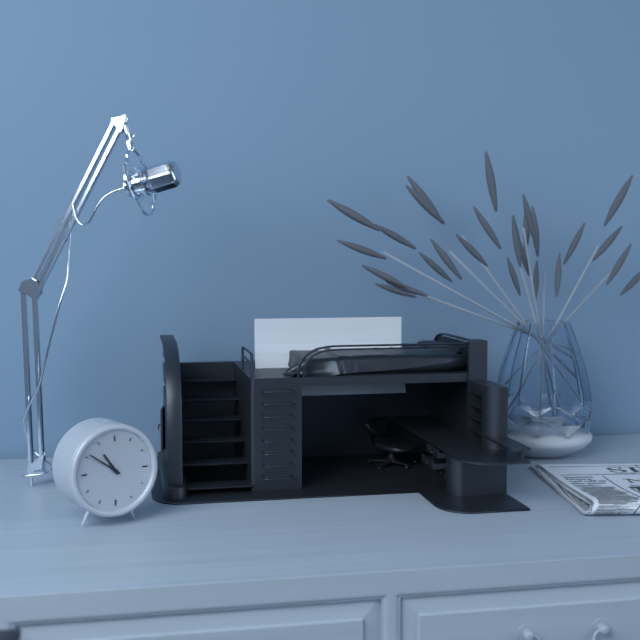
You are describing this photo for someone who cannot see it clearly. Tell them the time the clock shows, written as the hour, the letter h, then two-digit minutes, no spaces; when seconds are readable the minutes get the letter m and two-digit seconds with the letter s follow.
10h51
